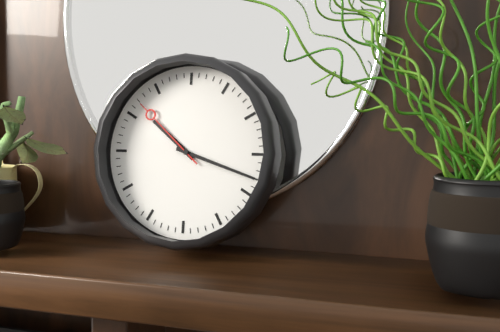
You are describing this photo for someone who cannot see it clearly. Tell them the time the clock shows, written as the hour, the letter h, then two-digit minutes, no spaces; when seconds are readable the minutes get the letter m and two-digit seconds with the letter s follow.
10h18m52s
